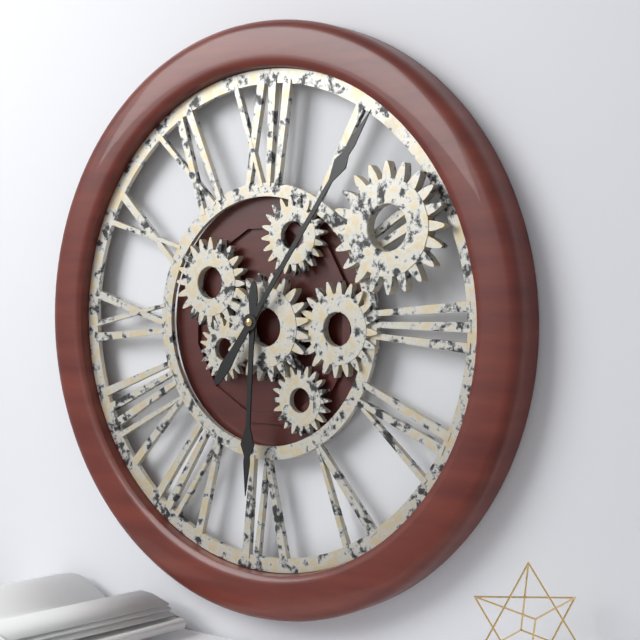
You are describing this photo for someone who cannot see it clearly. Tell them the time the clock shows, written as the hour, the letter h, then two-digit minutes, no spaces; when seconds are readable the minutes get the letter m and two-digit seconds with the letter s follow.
6h06
